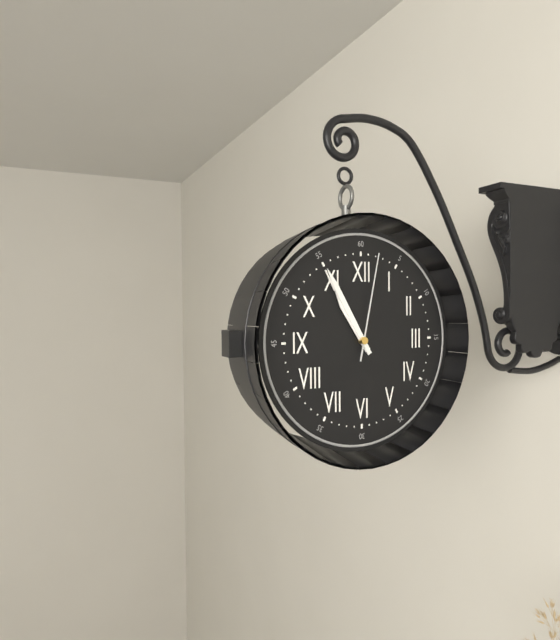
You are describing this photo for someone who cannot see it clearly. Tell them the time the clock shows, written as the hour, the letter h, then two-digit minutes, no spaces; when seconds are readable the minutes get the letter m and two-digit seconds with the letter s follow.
10h55m02s
